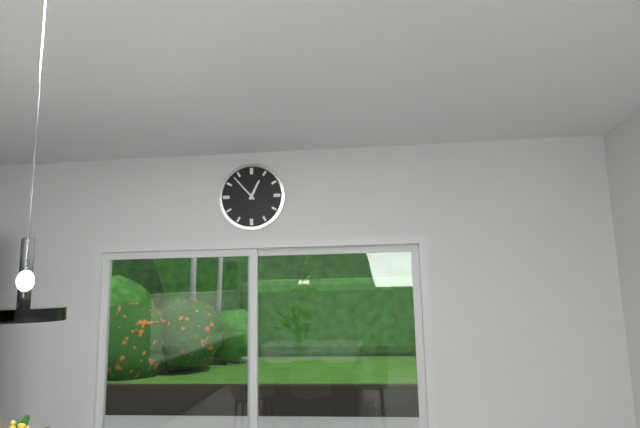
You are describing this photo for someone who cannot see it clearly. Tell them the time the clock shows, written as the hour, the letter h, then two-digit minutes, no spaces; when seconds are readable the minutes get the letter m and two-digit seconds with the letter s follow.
12h53
